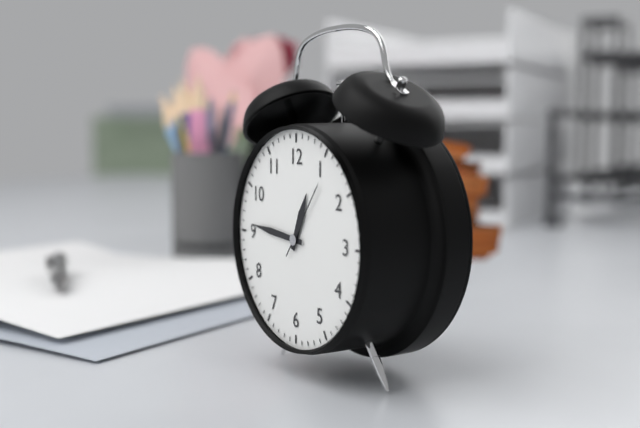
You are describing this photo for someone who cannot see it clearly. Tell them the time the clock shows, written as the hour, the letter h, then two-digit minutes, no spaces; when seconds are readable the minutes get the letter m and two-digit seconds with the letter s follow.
12h46m06s
